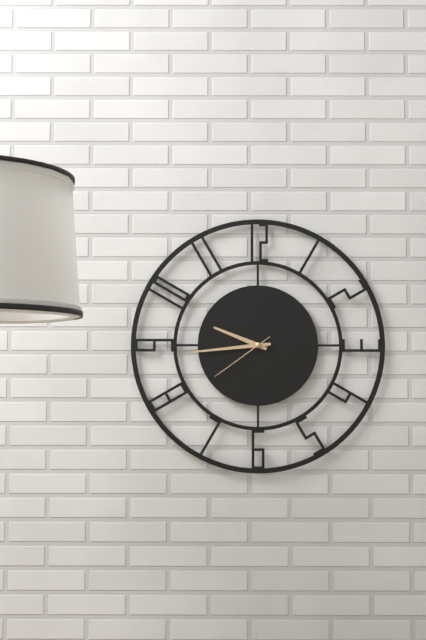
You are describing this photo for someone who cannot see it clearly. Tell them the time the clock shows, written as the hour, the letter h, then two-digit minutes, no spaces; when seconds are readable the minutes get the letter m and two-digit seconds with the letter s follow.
9h44m39s
